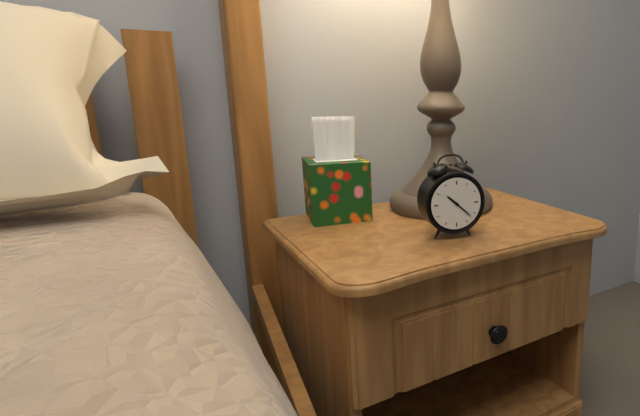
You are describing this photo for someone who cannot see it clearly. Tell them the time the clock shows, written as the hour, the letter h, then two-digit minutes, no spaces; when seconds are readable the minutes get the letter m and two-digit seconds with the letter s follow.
10h22
